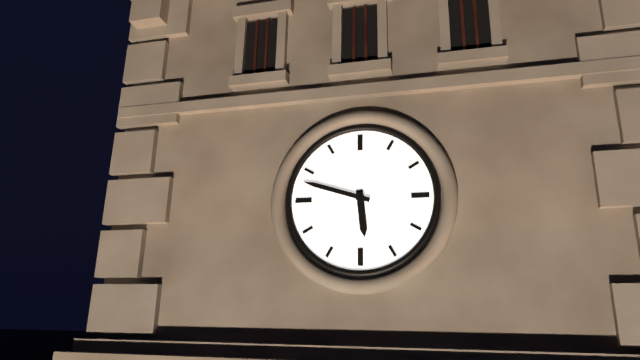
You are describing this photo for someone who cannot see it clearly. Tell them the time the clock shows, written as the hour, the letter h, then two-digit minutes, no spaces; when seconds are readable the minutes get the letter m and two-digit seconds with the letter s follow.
5h48
